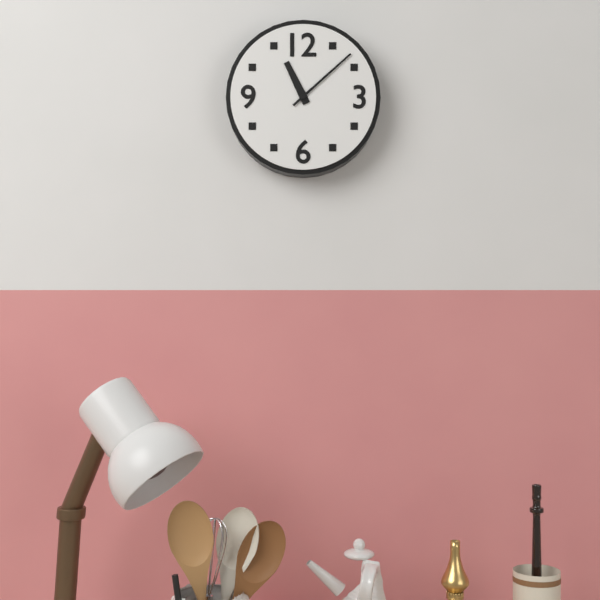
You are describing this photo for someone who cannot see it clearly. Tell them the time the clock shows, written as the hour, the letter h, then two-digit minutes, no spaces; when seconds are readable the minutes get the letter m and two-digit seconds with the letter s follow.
11h08
